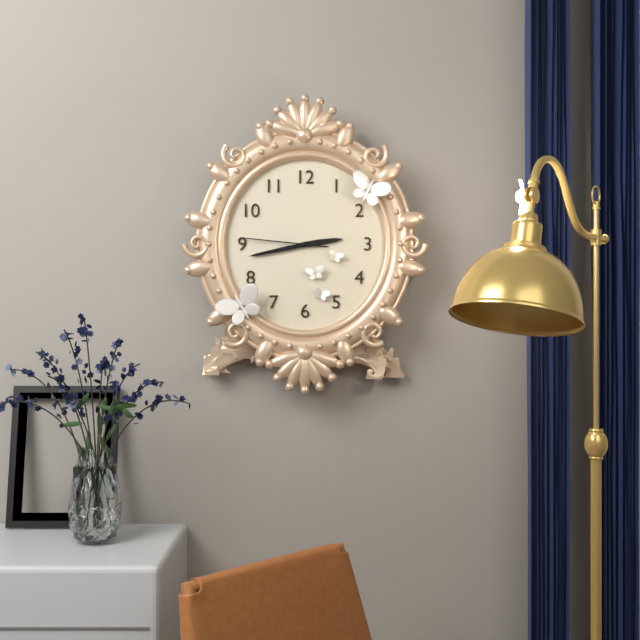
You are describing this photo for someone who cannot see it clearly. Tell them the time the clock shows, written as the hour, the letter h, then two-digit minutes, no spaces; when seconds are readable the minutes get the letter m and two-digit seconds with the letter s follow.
2h43m46s
